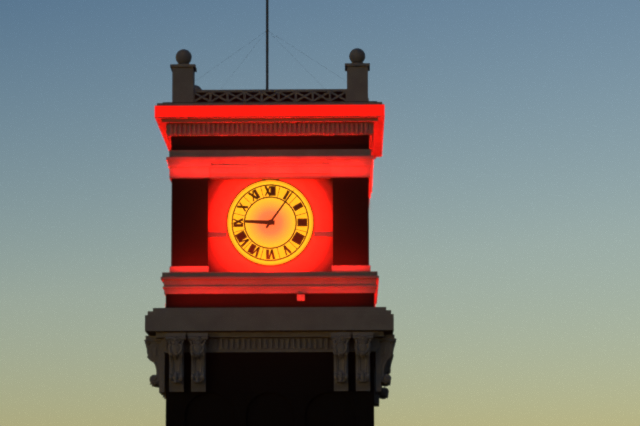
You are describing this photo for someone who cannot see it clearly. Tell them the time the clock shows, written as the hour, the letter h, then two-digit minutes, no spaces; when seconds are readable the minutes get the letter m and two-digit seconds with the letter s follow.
9h06
